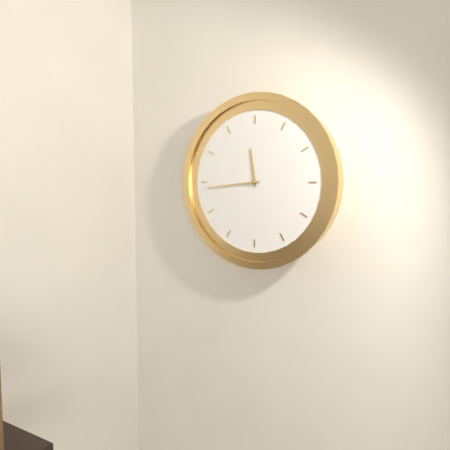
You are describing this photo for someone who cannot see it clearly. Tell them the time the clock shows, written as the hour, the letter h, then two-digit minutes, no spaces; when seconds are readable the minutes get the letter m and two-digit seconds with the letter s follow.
11h44
